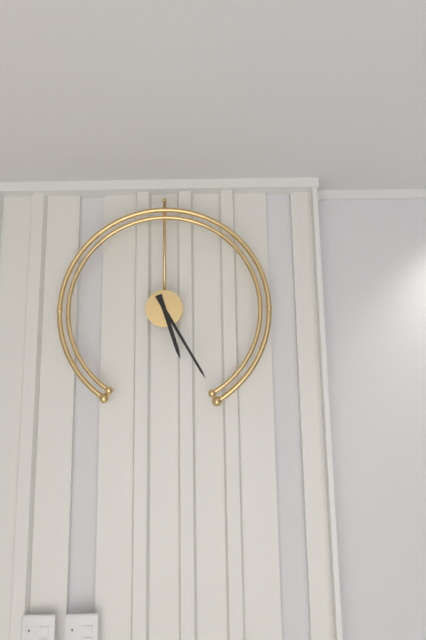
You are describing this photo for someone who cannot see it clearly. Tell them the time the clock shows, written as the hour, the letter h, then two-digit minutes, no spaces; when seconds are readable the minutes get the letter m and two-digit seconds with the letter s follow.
5h25
